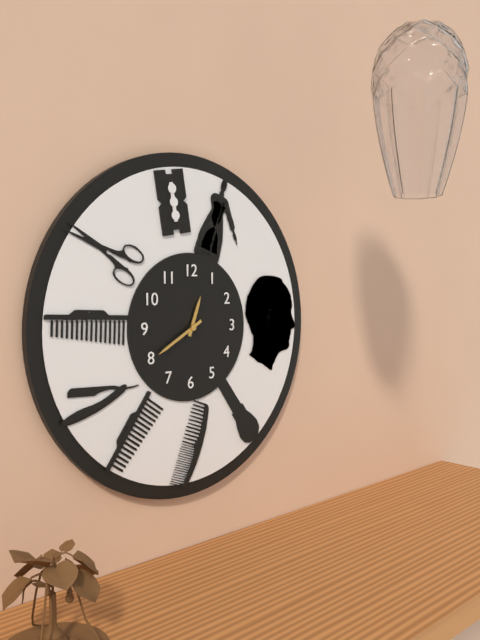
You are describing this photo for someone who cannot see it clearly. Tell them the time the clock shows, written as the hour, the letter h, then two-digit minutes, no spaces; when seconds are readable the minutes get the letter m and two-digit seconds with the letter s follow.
12h40
